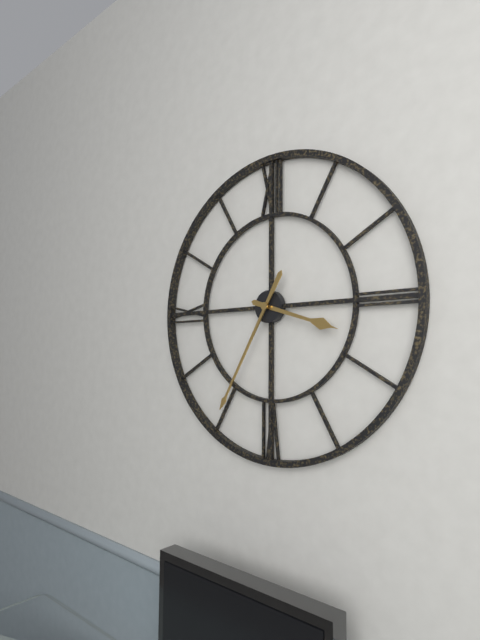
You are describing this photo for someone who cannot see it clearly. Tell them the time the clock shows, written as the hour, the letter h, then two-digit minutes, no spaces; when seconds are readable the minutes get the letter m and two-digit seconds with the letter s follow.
3h35
